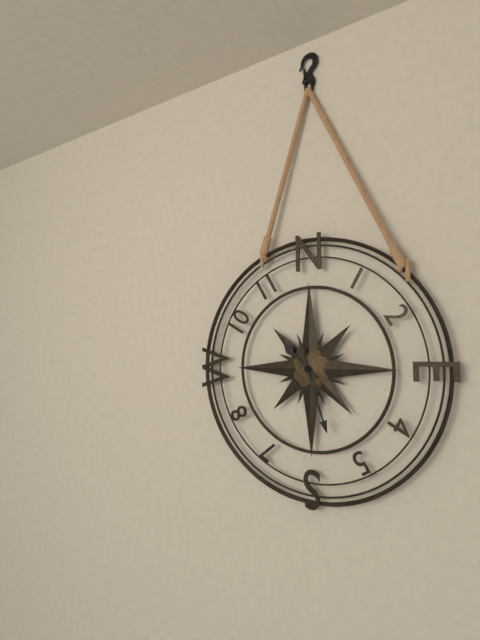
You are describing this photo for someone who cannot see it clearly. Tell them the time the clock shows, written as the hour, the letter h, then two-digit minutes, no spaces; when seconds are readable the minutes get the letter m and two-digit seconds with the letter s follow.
10h27
